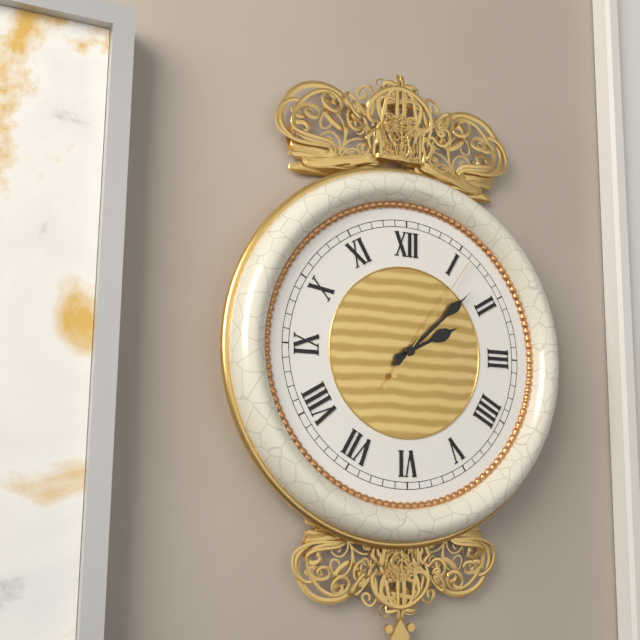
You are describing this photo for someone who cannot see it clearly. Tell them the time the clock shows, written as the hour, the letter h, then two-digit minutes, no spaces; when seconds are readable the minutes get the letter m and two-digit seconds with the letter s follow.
2h08m06s
